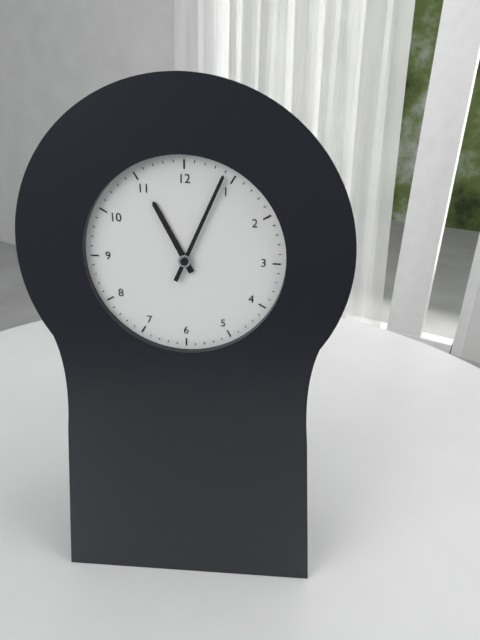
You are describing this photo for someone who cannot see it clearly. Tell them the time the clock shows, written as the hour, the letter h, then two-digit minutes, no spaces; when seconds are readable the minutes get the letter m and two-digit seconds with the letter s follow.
11h04
